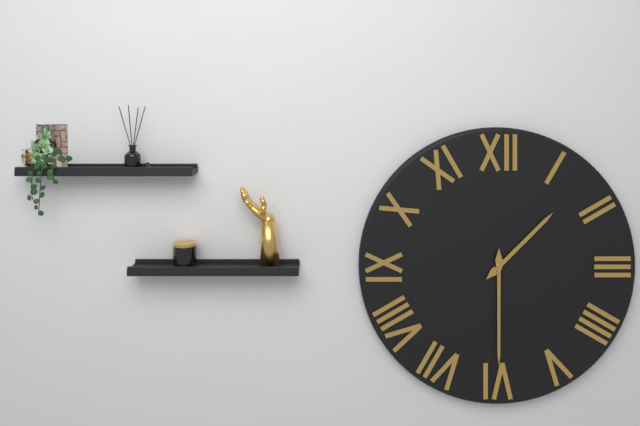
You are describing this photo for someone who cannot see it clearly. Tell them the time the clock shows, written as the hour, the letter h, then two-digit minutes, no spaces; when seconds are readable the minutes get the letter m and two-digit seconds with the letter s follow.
1h30
